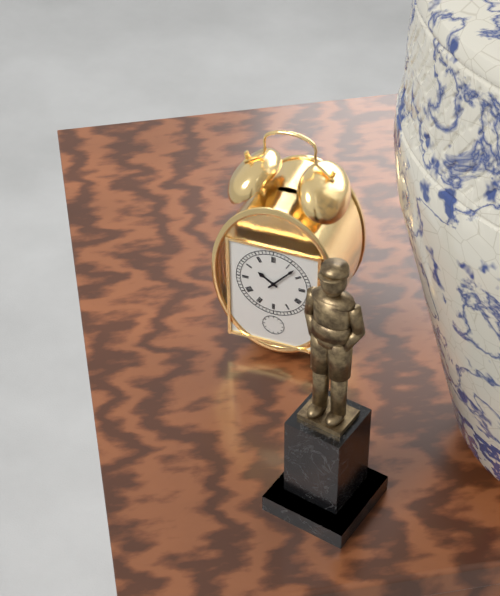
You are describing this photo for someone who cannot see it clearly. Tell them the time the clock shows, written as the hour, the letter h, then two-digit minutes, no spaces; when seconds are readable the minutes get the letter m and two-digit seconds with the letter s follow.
10h07
